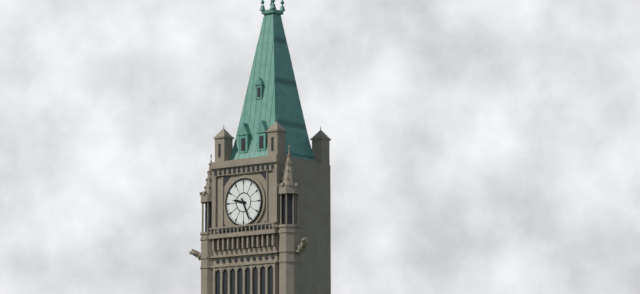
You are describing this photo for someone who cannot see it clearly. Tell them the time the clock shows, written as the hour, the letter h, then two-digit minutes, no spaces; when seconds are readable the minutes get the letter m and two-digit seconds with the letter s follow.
9h26
